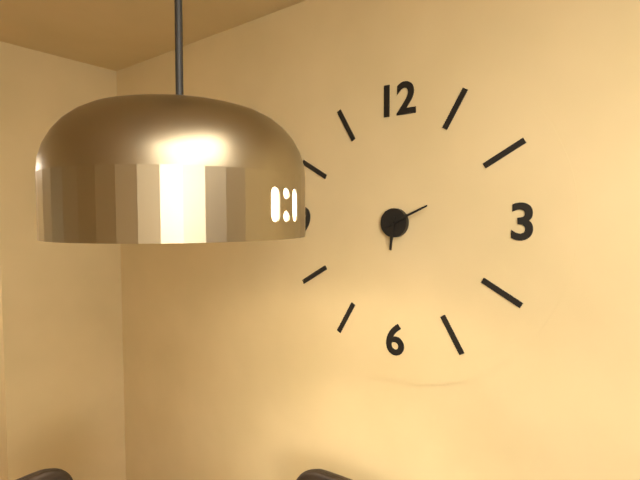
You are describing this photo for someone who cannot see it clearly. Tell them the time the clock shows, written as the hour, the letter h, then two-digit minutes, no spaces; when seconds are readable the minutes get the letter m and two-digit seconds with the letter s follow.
6h11
